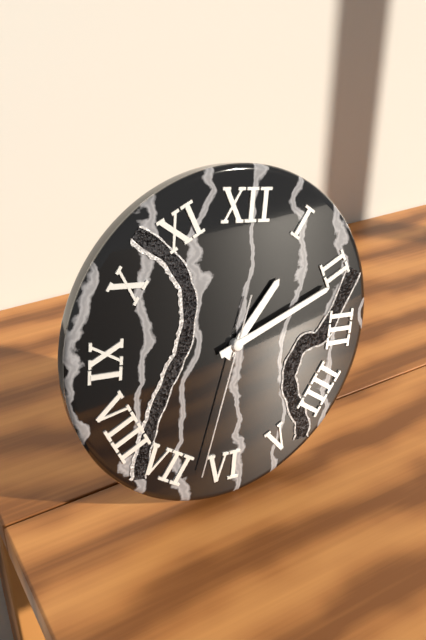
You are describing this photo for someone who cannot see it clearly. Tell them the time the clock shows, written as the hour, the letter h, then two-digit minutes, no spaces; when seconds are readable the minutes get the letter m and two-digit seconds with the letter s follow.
1h11m32s
